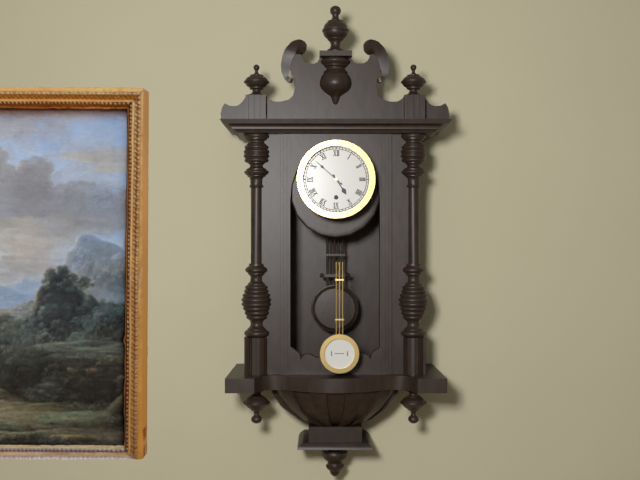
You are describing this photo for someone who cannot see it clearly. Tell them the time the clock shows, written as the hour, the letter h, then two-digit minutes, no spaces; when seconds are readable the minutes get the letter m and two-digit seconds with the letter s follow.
4h52
